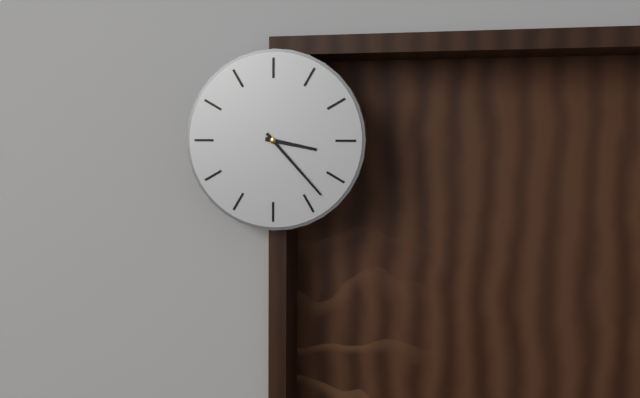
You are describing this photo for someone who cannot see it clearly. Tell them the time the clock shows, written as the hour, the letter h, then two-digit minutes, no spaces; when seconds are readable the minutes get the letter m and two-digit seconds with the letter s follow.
3h23
